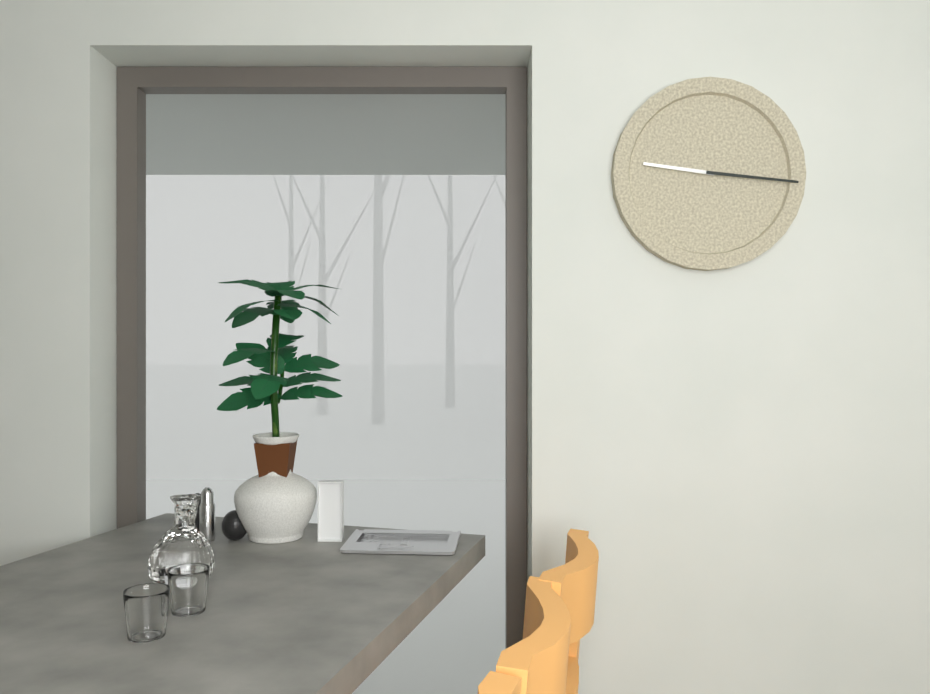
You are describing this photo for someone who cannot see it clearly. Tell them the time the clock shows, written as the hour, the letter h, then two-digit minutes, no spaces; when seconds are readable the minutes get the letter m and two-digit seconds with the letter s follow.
9h16
